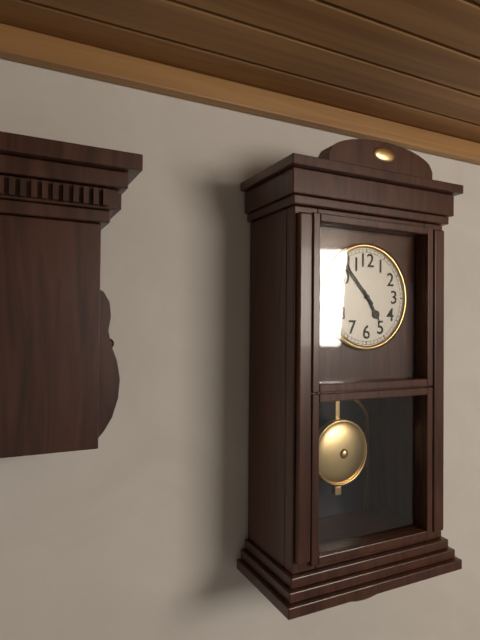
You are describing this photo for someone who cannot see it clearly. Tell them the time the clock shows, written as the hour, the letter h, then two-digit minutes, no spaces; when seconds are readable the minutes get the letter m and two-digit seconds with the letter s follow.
4h53
